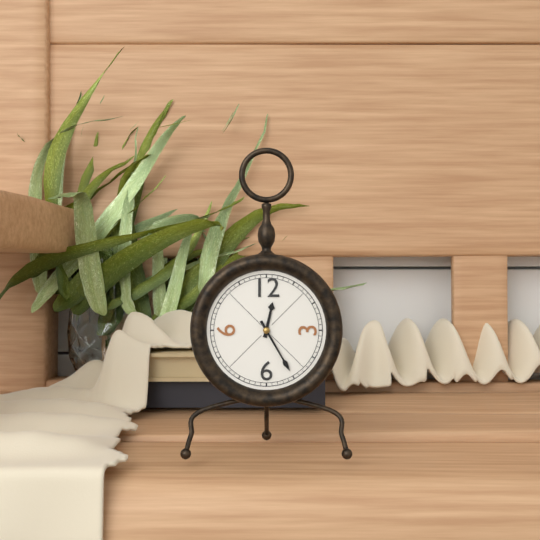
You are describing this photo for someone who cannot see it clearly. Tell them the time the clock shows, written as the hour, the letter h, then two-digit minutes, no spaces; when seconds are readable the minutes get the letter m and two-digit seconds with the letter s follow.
12h25
